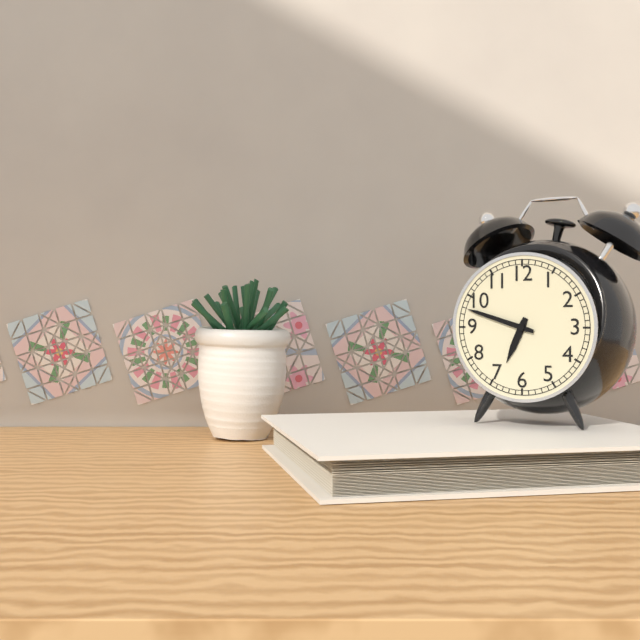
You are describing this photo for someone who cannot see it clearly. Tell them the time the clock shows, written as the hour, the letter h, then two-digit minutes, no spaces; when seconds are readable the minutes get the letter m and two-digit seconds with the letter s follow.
6h48
